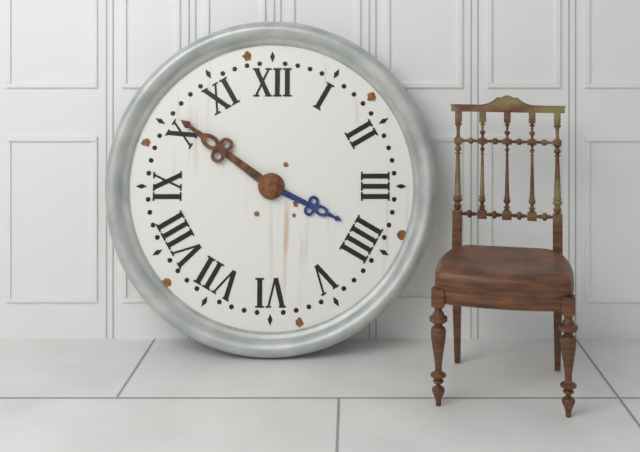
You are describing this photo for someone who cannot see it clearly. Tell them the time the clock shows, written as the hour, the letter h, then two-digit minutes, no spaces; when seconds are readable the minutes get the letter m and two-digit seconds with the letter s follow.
3h51
